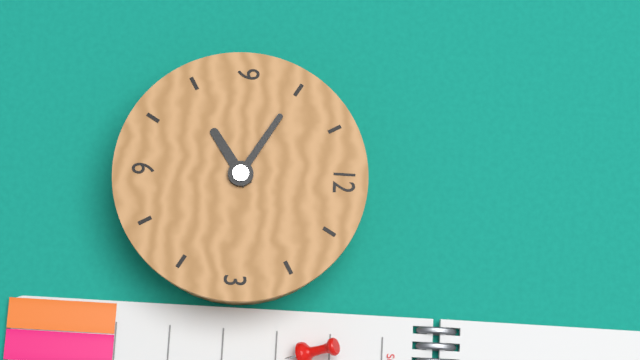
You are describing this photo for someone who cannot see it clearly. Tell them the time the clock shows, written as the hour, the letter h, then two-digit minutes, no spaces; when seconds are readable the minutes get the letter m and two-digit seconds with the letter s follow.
7h50
